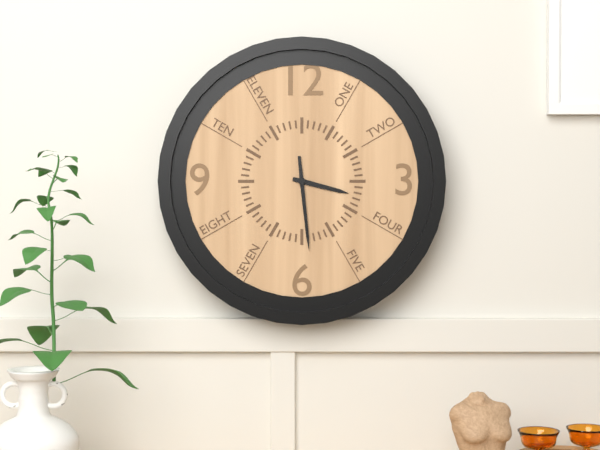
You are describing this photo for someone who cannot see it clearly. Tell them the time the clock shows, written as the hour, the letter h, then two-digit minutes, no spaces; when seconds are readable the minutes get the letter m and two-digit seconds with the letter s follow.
3h29
